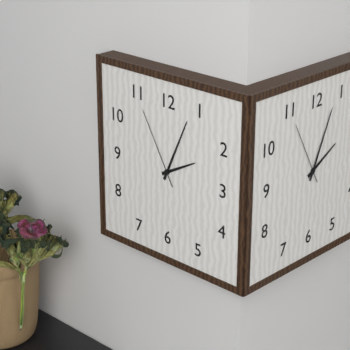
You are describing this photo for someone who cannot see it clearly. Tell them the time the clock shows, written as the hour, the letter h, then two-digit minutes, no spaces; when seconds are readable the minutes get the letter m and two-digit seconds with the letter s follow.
2h04m55s
